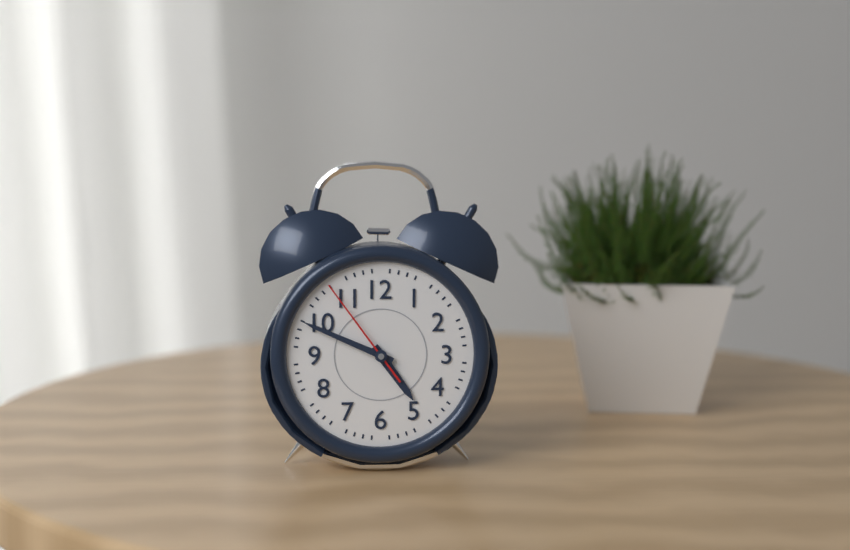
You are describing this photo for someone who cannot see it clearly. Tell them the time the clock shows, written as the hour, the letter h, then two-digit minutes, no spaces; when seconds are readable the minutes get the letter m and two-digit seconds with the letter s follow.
4h49m54s
